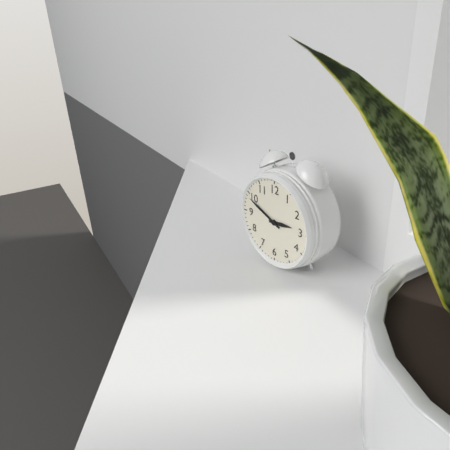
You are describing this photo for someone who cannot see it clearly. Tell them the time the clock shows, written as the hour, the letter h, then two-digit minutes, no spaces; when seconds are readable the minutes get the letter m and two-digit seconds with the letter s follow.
2h49
